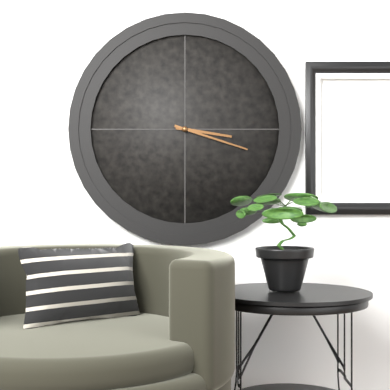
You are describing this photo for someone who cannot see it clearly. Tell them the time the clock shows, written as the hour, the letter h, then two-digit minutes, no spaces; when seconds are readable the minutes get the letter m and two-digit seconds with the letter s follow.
3h18
